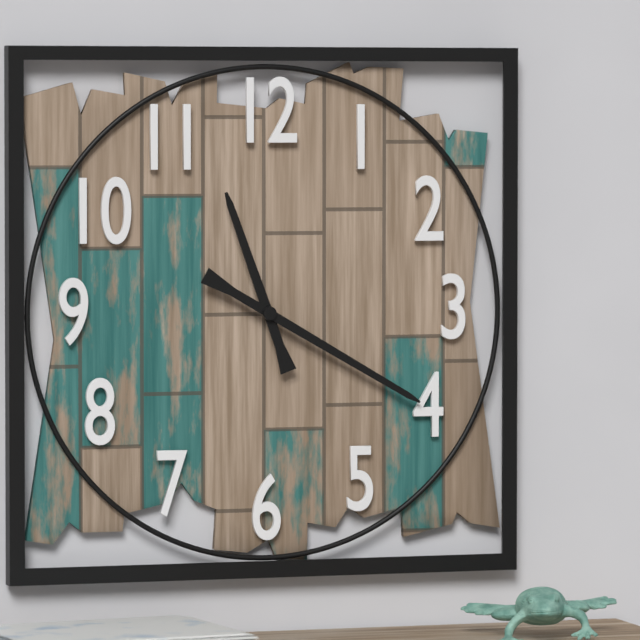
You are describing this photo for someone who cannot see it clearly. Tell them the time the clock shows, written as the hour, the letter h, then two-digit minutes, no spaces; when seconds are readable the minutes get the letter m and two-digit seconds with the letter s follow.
11h20
